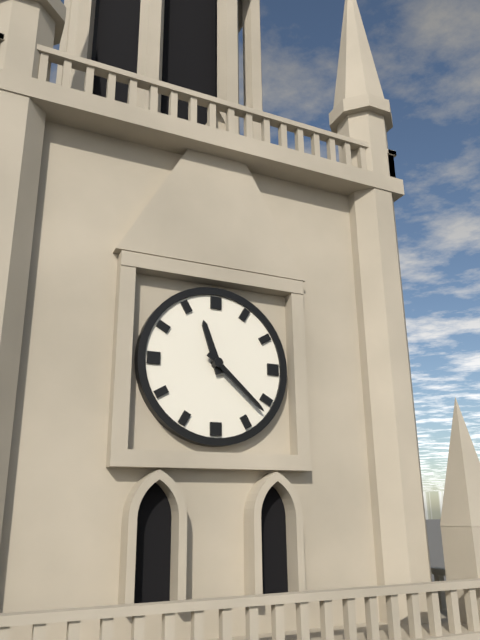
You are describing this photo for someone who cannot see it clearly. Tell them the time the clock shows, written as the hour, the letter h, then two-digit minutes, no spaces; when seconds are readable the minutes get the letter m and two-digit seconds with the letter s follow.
11h22
